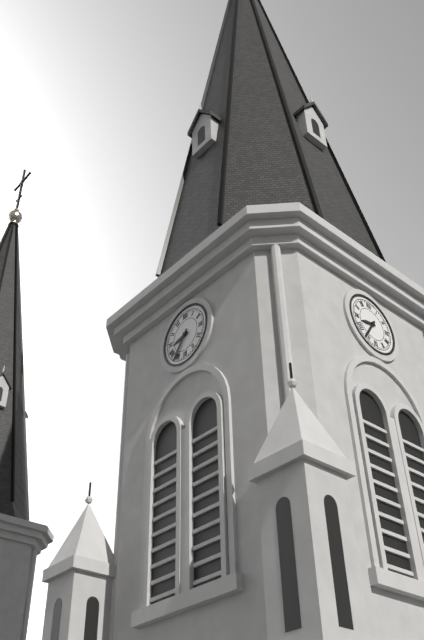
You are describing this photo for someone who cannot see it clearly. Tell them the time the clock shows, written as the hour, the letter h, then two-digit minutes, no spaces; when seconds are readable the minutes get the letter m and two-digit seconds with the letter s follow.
8h36
